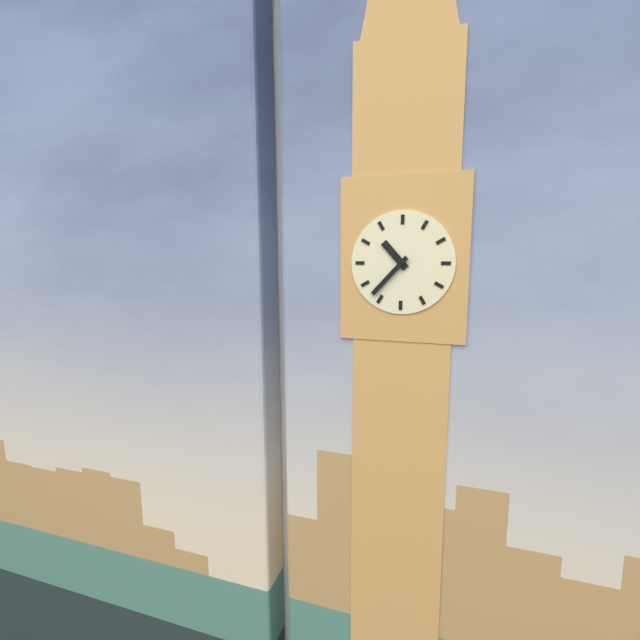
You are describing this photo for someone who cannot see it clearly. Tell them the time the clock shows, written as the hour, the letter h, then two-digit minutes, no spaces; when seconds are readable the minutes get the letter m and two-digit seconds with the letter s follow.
10h37
